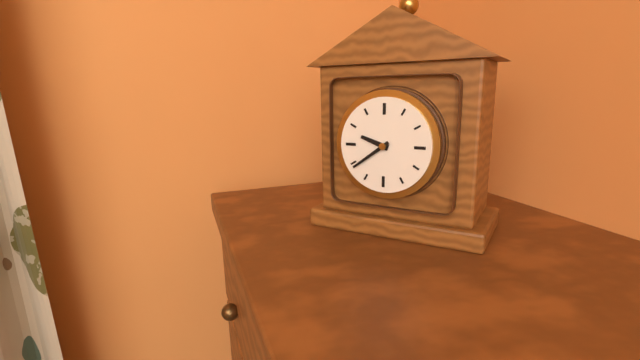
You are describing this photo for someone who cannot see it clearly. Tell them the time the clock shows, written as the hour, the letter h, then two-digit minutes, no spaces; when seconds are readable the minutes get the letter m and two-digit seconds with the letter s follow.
9h39
